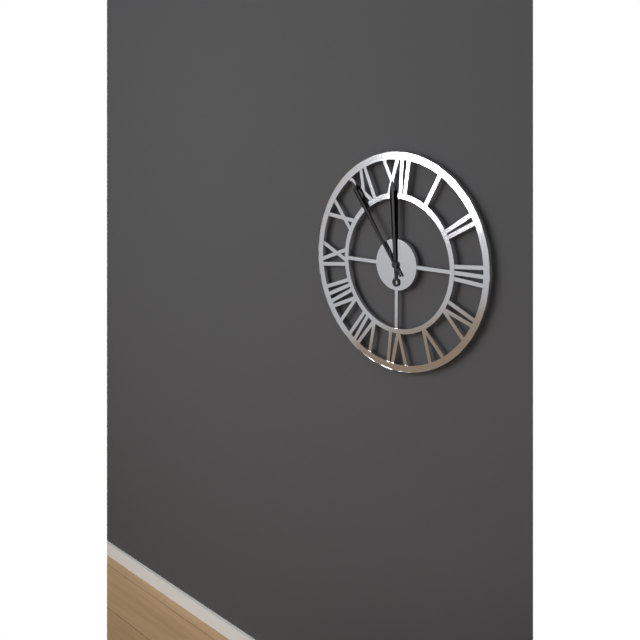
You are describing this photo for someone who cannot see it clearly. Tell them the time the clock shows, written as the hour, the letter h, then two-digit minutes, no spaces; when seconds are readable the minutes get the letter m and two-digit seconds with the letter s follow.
11h54
